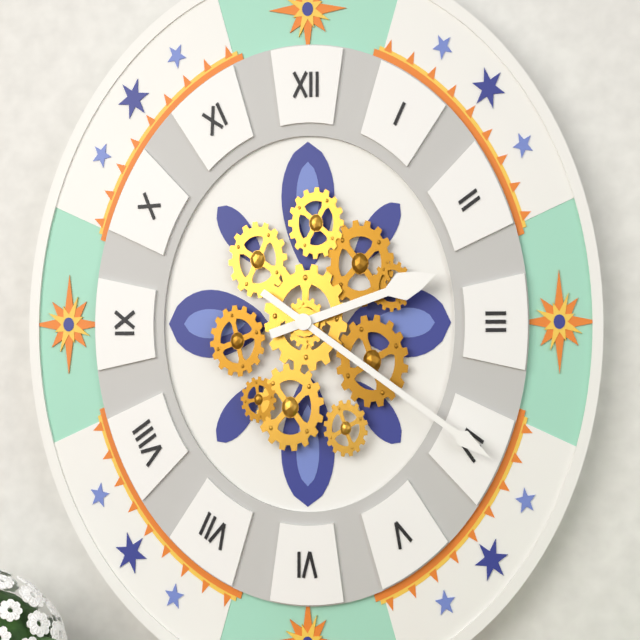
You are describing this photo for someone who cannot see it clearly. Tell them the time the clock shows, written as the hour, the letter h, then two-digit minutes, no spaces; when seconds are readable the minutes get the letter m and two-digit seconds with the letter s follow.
2h21
